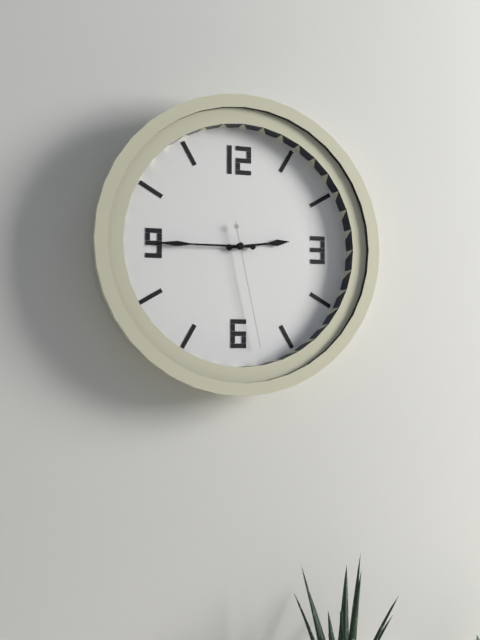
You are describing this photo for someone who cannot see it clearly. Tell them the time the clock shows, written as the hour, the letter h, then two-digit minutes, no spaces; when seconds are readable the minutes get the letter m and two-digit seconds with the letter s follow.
2h45m28s
